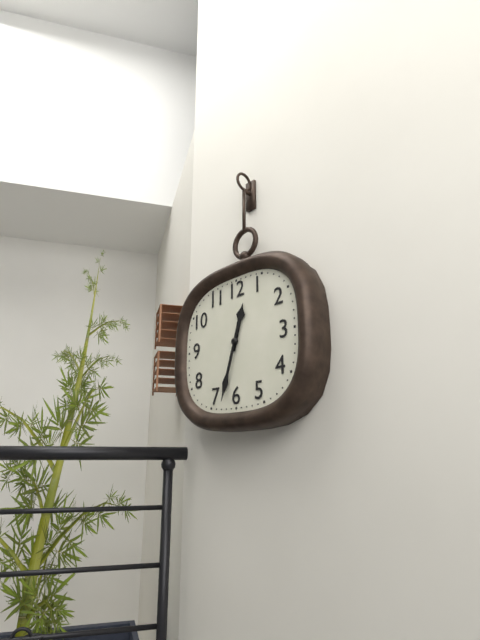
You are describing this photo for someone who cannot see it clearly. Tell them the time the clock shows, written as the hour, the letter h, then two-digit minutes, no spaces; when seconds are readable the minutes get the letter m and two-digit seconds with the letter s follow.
12h33
